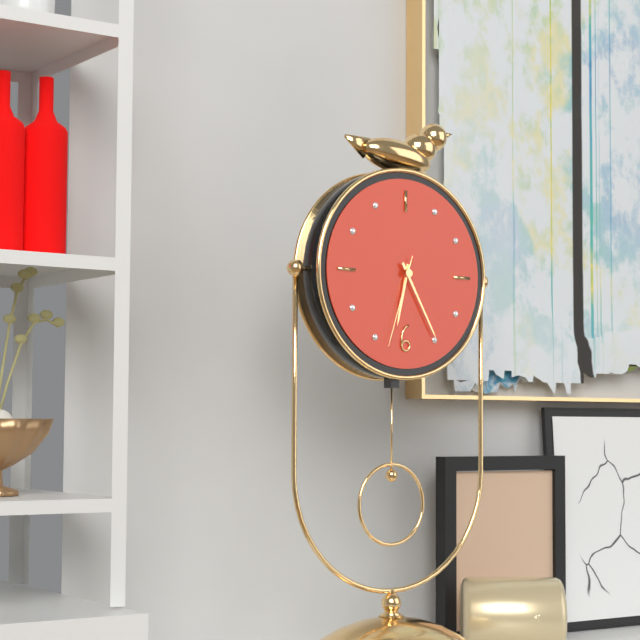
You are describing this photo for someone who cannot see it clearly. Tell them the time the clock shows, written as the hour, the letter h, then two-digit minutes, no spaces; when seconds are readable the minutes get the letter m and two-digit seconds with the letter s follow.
6h25m33s
